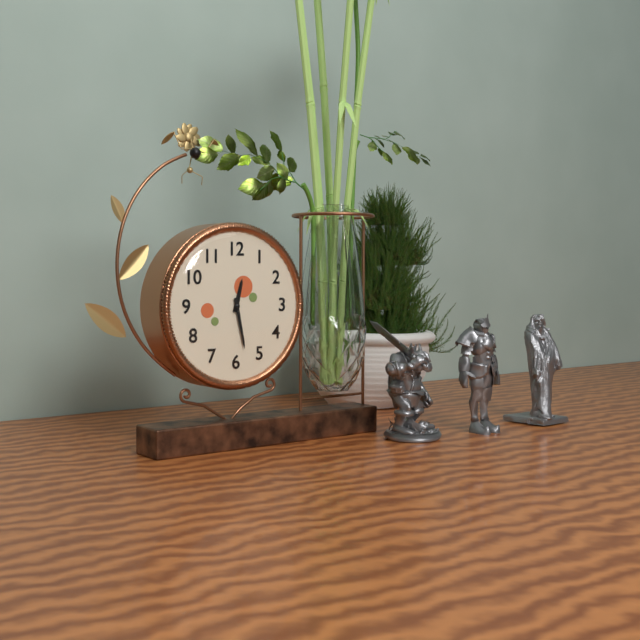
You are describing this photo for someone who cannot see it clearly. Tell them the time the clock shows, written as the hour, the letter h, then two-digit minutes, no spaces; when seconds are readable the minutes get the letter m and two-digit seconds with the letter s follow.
12h28
